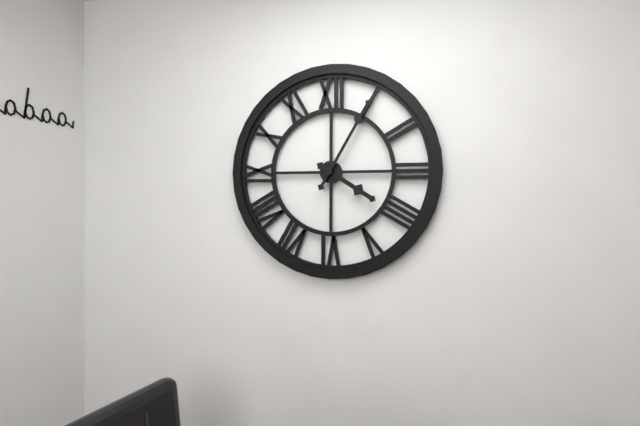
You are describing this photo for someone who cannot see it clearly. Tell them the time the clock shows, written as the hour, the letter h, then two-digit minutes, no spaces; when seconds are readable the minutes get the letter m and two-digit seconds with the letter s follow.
4h05
